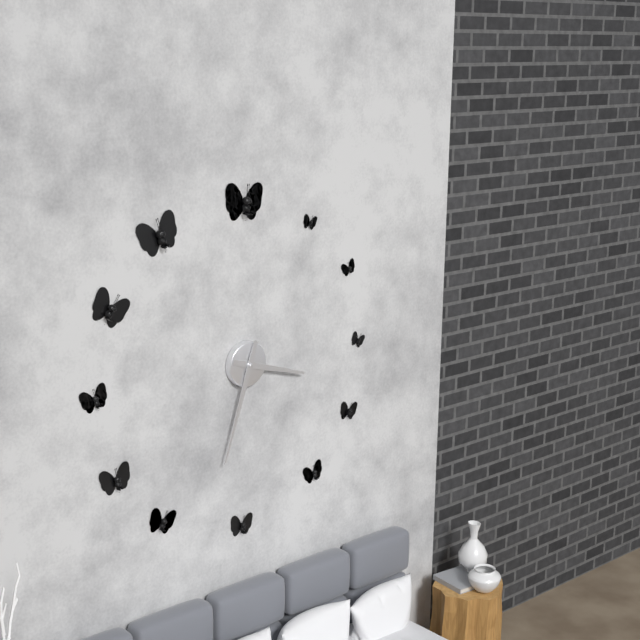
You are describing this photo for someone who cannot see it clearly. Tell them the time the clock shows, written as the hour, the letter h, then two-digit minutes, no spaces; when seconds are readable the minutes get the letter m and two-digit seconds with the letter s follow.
3h33
